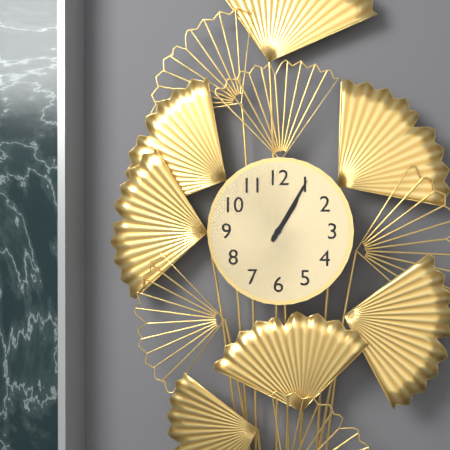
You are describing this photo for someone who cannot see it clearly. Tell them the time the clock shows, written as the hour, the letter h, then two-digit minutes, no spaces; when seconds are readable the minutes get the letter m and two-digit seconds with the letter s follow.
1h05
